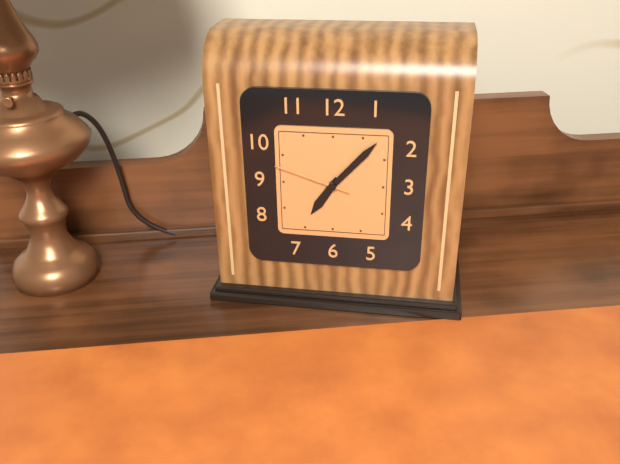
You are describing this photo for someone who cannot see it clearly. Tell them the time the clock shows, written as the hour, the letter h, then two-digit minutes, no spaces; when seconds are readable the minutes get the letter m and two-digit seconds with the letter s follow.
7h07m48s
